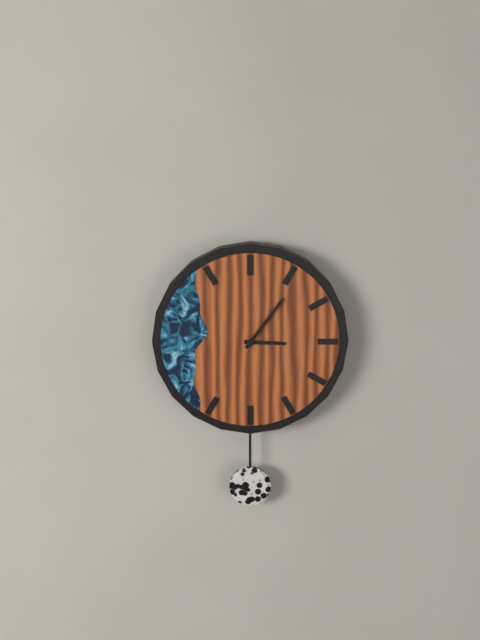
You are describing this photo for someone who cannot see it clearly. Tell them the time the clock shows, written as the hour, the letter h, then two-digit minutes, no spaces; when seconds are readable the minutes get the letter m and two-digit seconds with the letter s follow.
3h06
